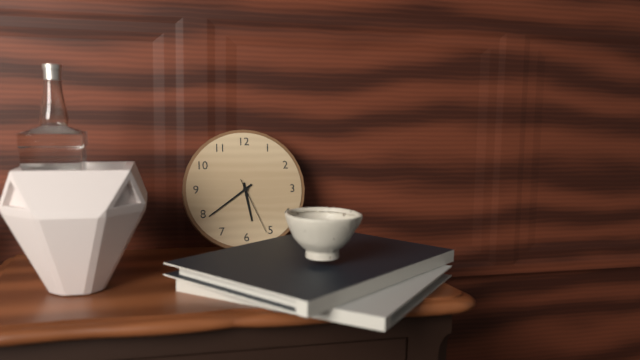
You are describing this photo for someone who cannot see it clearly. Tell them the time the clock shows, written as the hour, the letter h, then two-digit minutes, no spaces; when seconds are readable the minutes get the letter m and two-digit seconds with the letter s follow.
5h39m26s
